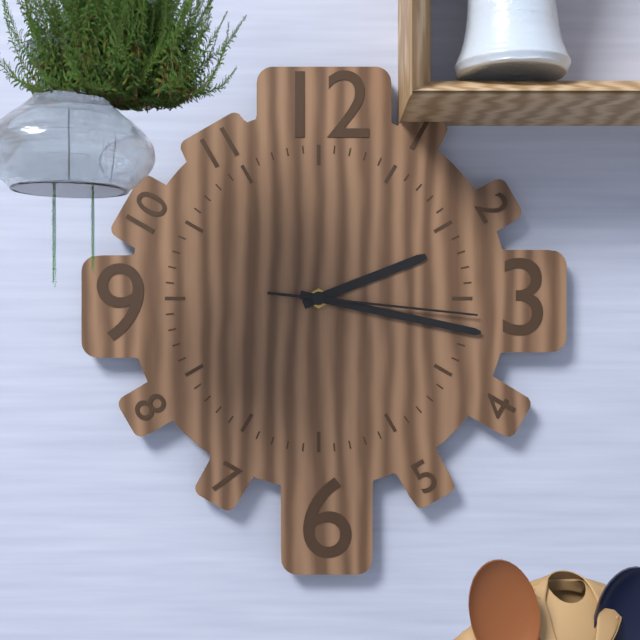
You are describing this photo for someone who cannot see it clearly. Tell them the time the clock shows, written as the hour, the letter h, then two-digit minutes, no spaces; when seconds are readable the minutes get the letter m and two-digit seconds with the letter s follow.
2h17m16s
